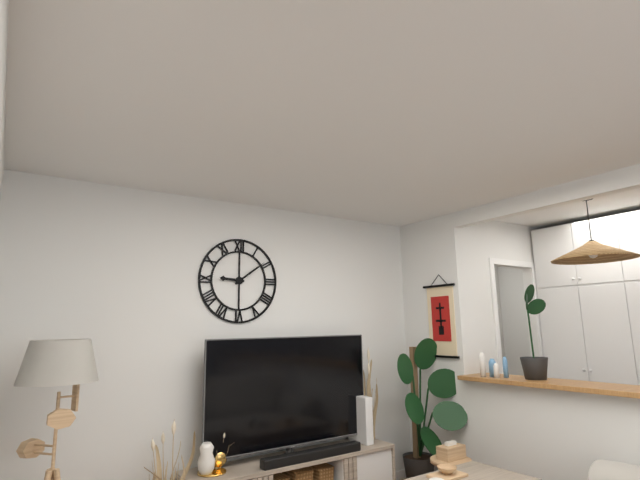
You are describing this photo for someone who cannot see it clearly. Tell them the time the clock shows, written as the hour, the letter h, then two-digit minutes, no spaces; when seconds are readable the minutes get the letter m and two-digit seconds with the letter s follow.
9h09
